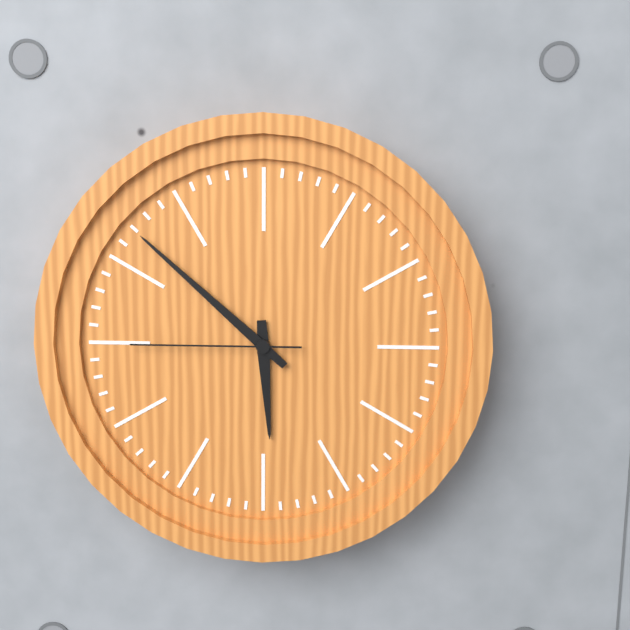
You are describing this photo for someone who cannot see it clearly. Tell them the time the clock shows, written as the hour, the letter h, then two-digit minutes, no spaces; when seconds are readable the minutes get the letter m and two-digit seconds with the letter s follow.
5h52m45s
